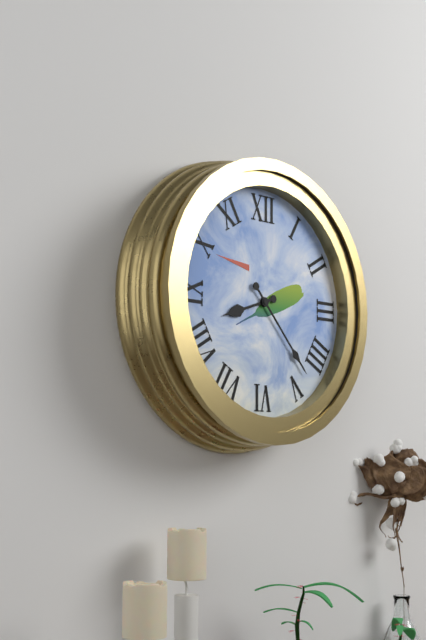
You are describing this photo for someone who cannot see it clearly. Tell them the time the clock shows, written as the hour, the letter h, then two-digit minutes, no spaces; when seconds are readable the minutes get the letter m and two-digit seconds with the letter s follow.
8h23
